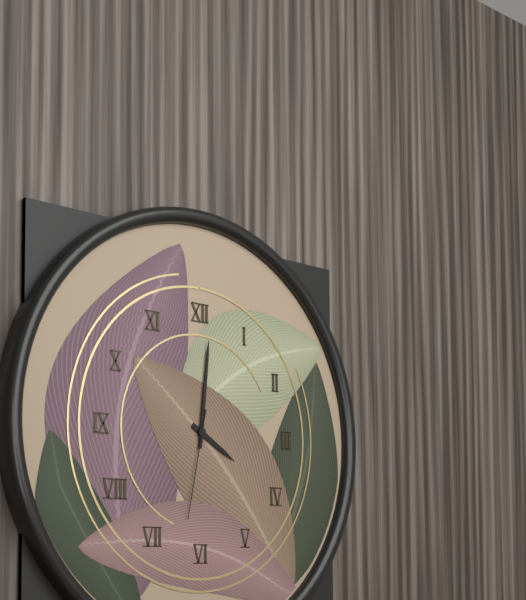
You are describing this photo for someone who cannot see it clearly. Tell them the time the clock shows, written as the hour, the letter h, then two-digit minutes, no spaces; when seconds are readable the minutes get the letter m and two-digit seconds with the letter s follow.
4h01m32s
